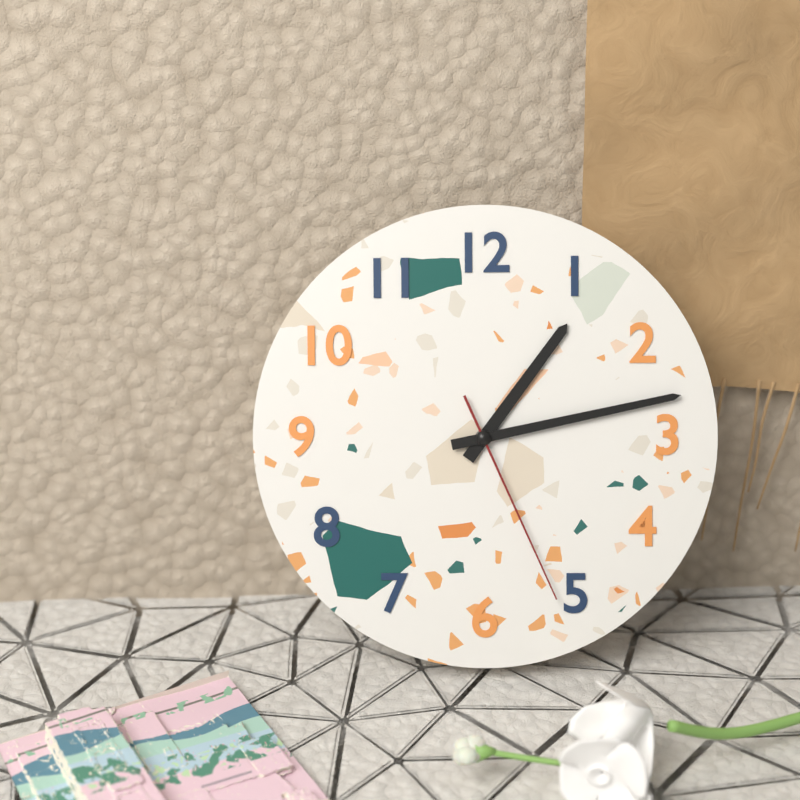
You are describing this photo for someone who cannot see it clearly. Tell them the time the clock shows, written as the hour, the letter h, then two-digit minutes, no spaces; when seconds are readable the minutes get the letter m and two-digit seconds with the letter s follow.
1h13m26s
